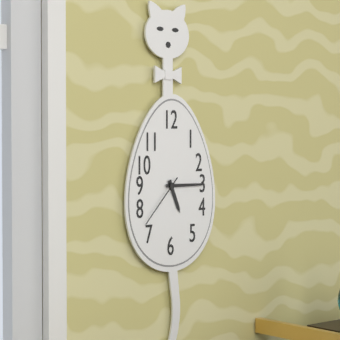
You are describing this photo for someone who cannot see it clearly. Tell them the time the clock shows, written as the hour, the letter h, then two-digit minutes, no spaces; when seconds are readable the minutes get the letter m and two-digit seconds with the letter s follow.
5h15m37s
